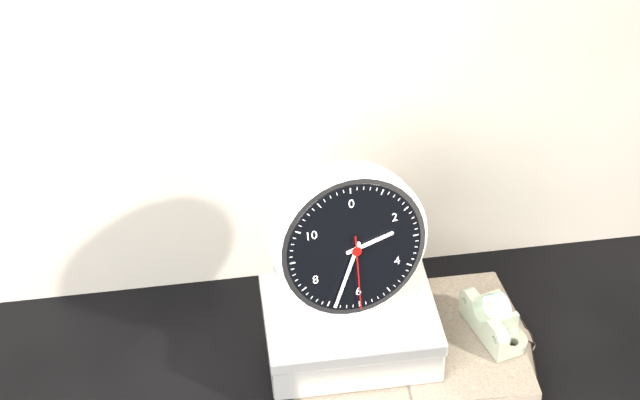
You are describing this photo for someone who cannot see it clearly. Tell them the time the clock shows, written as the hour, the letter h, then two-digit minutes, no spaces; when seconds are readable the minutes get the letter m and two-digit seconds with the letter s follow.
2h34m30s
